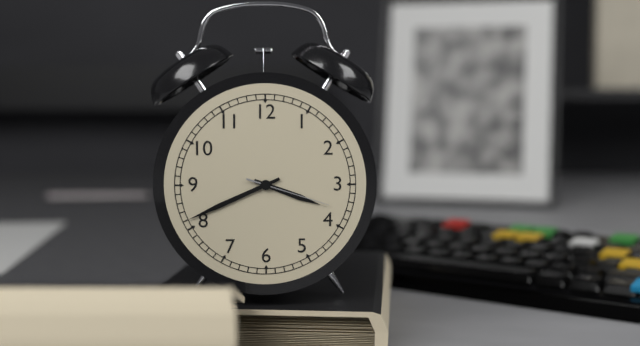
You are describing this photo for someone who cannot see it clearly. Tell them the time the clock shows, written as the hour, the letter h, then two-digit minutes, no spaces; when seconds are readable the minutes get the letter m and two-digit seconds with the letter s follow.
3h41m18s
